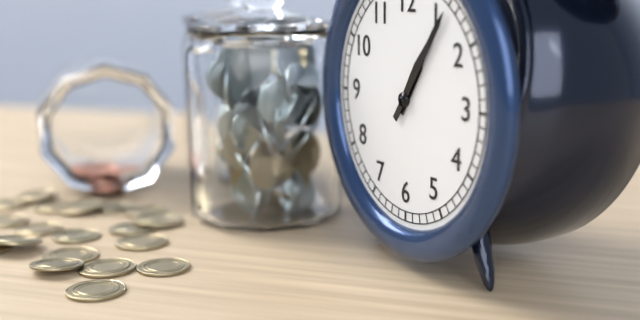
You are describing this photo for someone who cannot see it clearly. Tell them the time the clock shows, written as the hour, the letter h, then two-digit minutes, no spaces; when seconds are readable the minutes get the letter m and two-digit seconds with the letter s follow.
1h06
